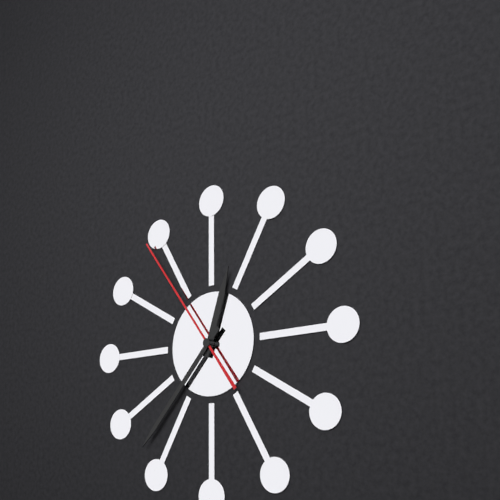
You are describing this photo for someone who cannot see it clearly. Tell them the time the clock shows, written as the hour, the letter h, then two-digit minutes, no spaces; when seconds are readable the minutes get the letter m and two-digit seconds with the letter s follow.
12h37m54s
